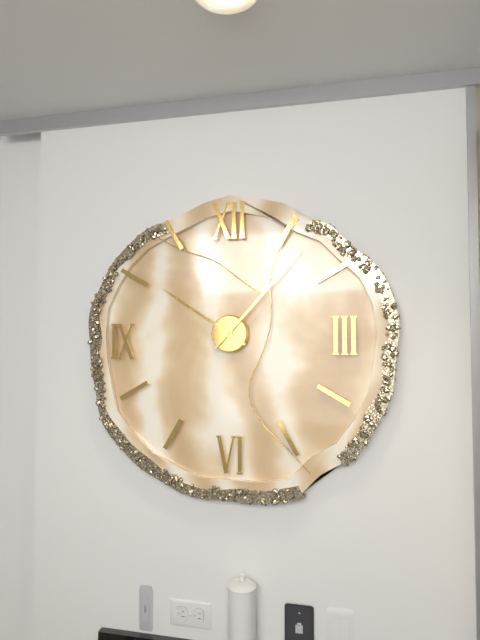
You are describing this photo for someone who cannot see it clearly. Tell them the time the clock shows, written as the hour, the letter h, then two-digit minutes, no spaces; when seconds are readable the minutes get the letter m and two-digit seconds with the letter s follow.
10h07
